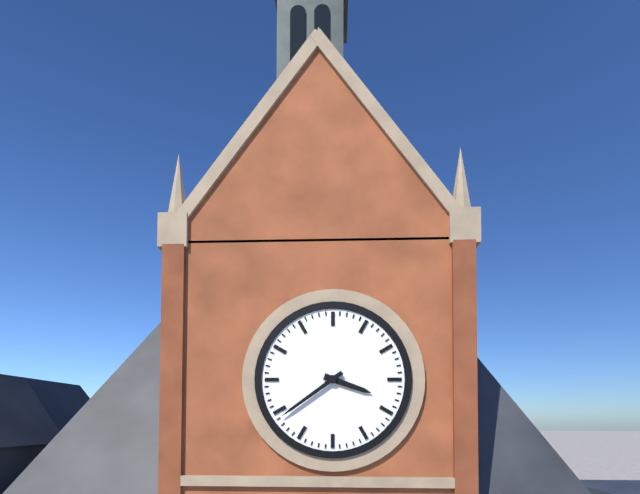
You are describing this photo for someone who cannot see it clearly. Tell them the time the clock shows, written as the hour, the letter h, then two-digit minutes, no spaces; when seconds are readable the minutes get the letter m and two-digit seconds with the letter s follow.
3h39
